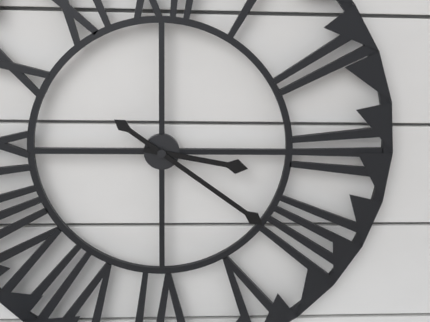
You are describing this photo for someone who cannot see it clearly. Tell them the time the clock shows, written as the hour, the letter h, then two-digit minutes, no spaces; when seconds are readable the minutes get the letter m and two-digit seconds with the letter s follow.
3h21
